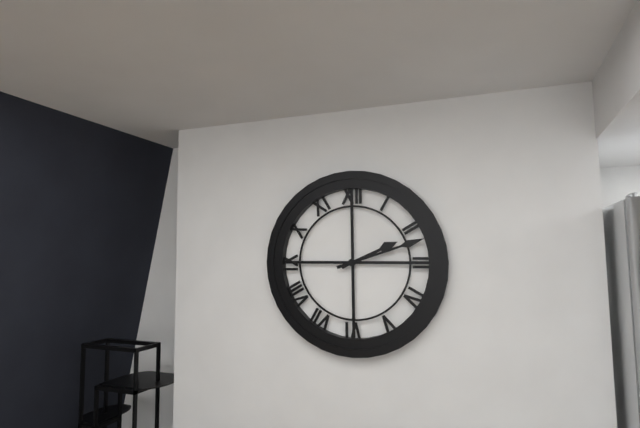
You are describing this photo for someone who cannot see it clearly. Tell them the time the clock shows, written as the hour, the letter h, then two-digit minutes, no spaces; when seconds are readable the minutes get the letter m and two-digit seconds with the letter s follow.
2h12
